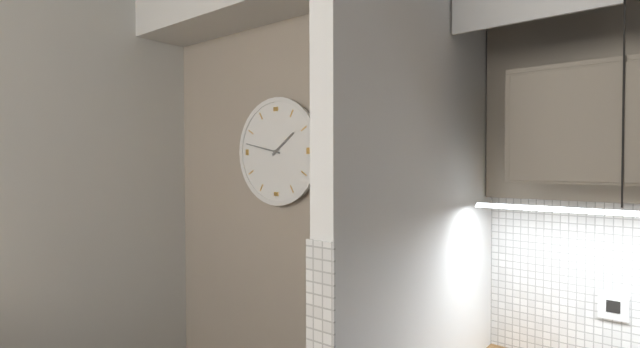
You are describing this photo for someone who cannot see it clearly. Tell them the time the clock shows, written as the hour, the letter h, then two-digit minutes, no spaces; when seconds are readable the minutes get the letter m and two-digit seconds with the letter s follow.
1h47
